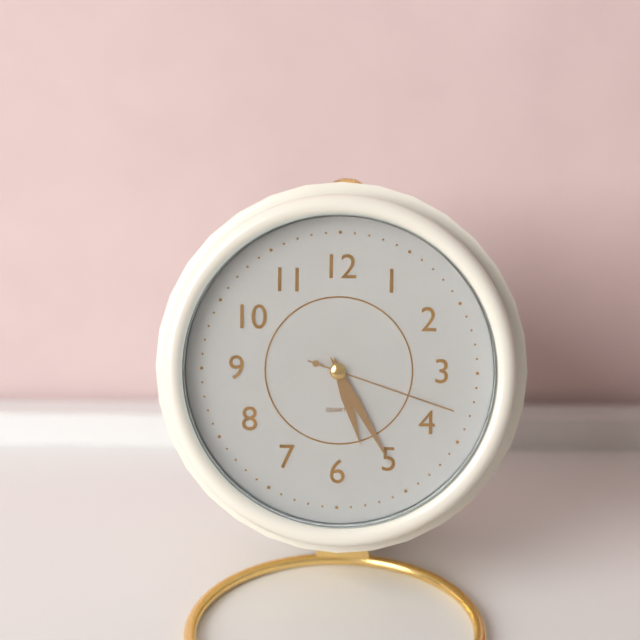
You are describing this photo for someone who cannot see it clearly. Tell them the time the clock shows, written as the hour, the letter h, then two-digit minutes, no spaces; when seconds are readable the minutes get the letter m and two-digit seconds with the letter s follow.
5h25m18s
